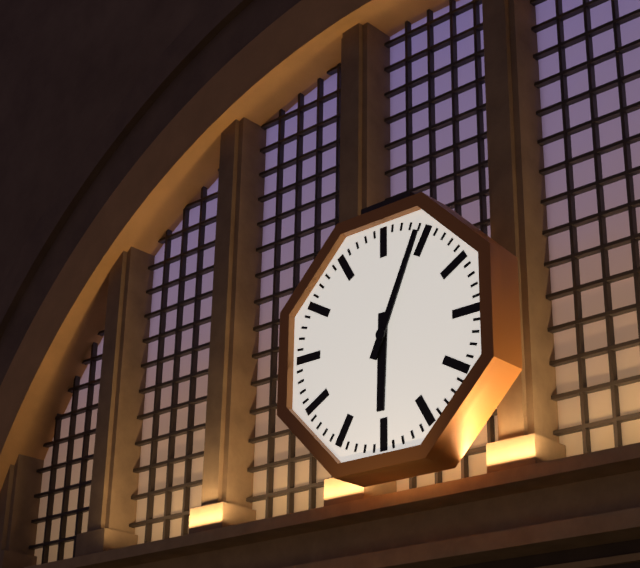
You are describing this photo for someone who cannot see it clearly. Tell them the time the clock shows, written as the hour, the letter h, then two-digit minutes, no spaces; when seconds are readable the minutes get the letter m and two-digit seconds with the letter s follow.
6h04
